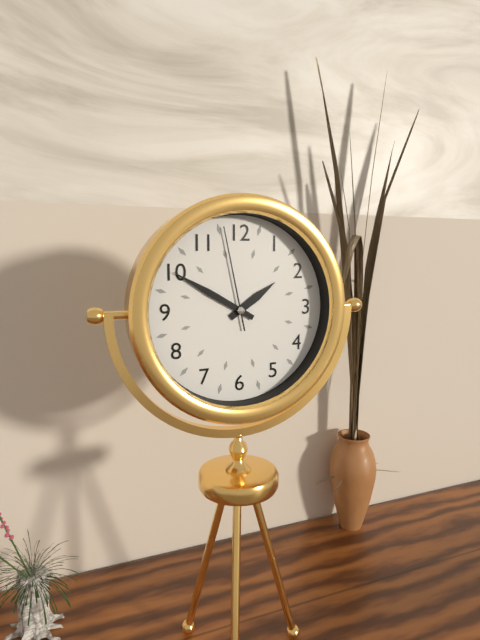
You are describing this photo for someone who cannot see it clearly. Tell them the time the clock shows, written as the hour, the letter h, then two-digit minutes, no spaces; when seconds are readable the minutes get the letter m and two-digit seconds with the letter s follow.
1h50m58s
